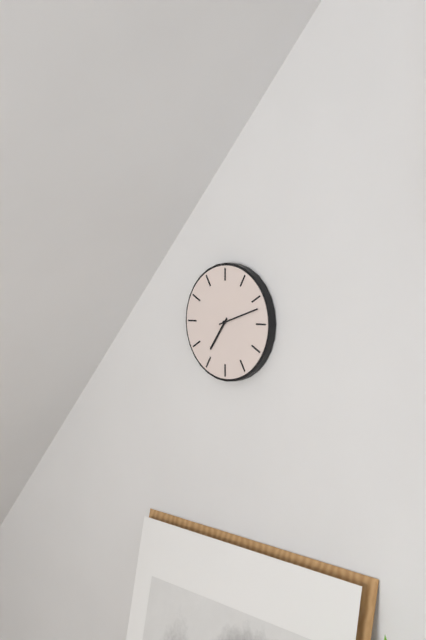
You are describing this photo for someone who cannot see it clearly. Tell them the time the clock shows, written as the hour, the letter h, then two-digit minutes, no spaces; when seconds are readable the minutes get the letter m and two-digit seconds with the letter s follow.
7h12
